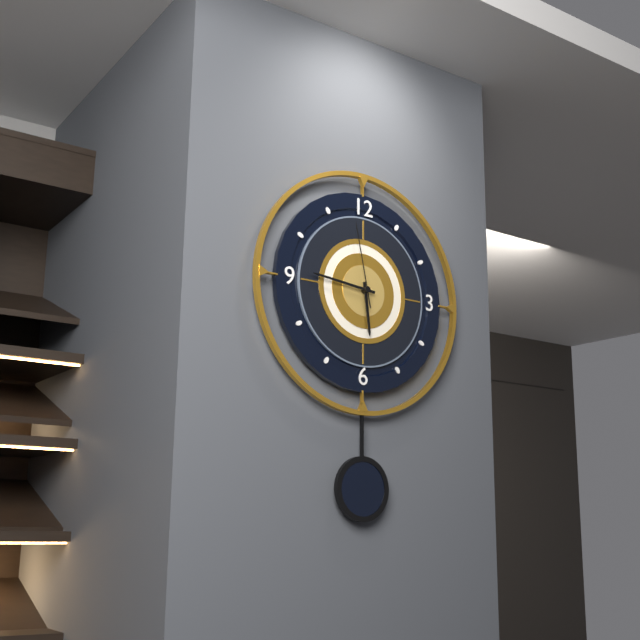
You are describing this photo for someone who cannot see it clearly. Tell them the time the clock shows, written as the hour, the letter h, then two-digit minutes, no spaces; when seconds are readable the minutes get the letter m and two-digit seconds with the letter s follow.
5h46m58s
